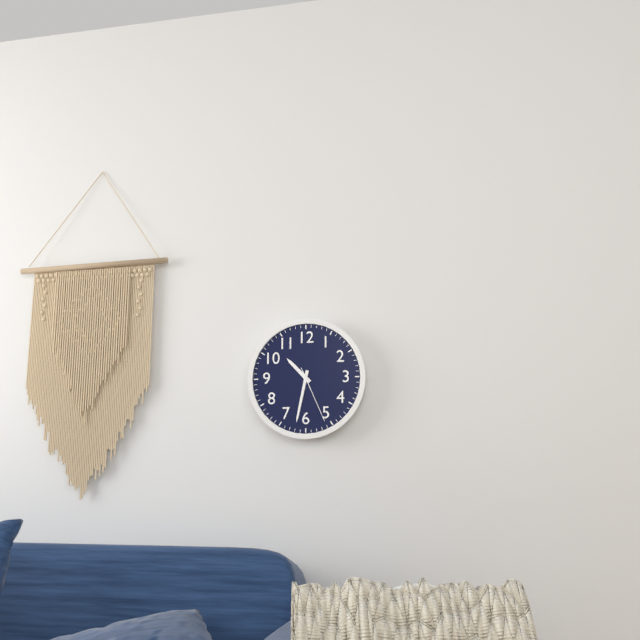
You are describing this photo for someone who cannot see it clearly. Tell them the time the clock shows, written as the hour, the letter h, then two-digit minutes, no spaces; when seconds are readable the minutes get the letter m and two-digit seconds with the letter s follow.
10h32m26s
